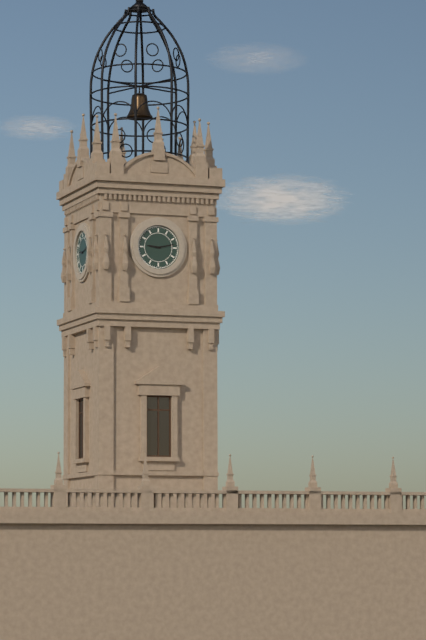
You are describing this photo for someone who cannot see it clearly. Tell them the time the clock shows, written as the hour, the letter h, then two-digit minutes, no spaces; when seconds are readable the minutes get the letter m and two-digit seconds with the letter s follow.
9h13
